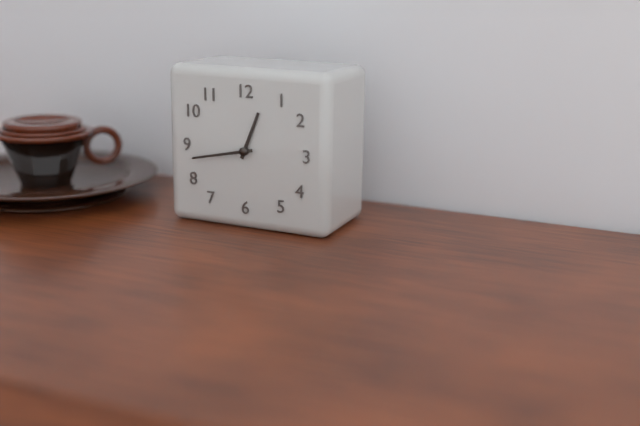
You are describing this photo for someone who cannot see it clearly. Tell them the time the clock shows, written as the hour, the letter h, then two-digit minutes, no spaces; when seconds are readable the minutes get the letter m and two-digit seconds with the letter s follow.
12h43
